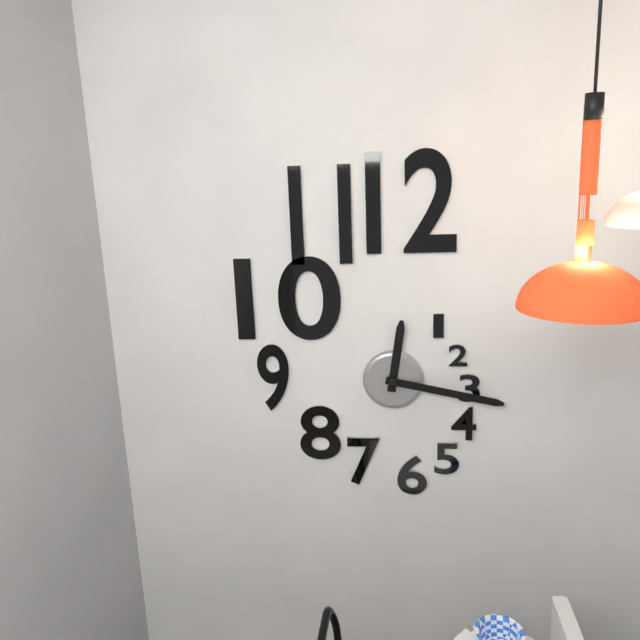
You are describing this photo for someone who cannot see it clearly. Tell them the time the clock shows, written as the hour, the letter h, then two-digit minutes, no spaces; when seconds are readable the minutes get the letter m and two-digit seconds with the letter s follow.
12h17
